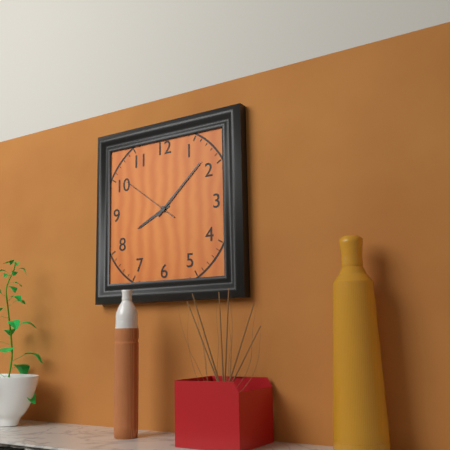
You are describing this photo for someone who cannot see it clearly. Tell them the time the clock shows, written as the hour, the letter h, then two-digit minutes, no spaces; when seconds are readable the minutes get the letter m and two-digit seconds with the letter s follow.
8h08m51s
